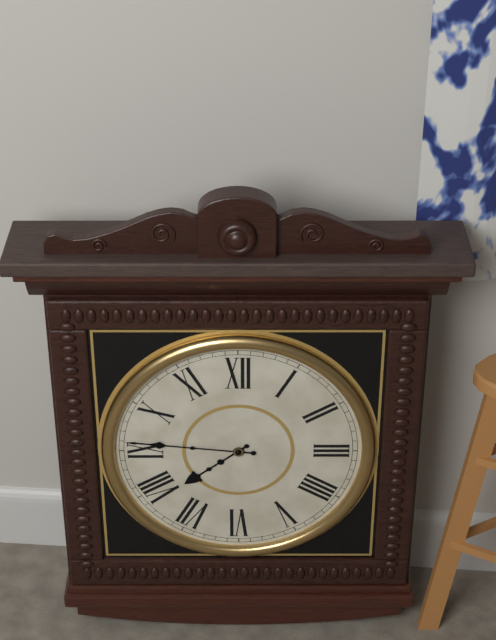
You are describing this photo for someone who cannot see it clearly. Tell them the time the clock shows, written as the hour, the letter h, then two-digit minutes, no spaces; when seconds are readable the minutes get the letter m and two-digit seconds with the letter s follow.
7h46
